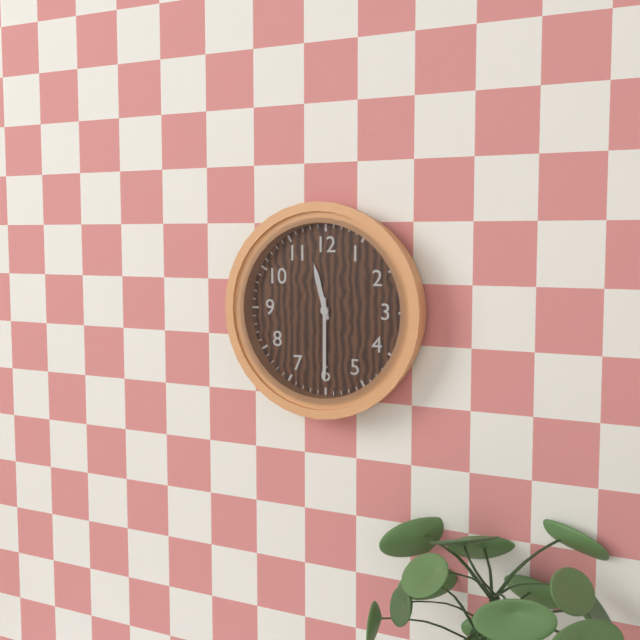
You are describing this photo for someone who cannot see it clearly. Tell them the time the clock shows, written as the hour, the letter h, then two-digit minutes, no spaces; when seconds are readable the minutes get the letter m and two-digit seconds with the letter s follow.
11h30
